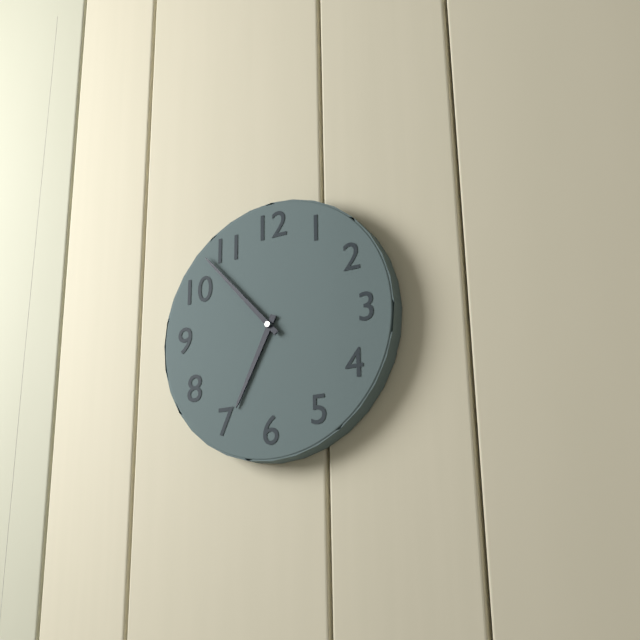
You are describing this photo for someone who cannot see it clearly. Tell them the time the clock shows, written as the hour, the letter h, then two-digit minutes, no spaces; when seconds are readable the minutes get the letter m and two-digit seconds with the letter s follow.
6h53
